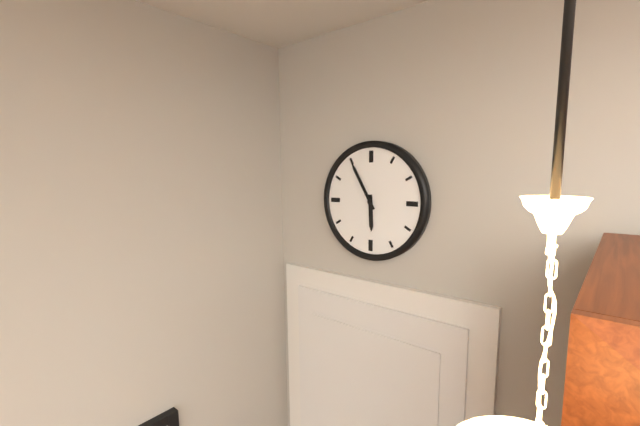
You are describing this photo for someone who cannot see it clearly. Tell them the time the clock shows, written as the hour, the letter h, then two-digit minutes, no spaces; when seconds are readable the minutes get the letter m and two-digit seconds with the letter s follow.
5h55
